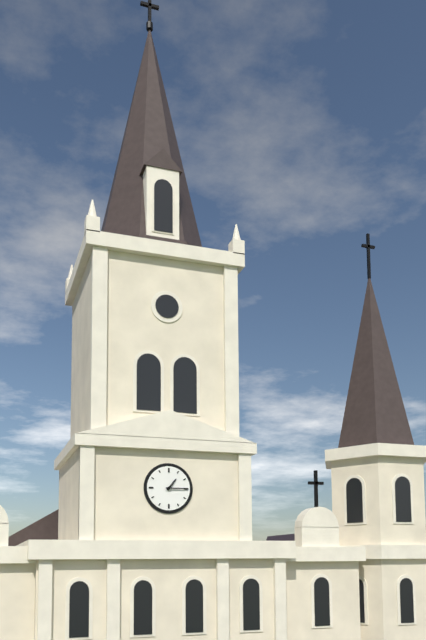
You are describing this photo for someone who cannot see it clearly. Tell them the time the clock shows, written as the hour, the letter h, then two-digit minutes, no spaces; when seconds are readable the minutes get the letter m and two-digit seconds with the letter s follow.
1h15
